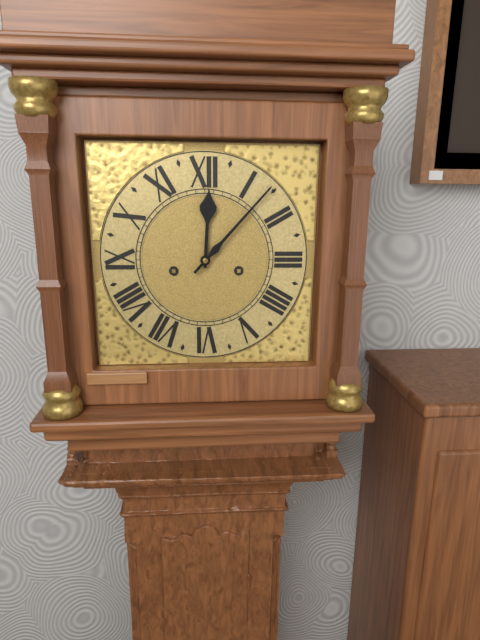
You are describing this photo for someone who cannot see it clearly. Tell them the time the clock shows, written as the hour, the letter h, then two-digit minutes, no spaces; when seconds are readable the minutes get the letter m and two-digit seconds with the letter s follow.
12h07
